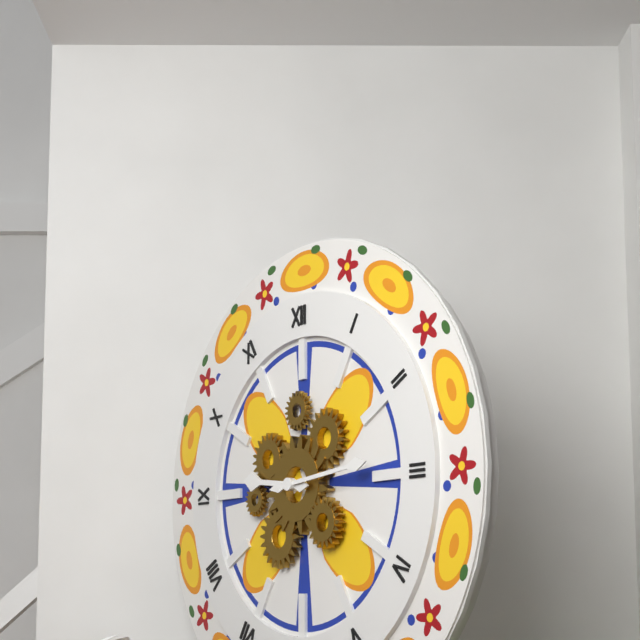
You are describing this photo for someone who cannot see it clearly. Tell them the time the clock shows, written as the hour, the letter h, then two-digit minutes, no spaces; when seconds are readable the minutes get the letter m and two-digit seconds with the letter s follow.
9h14
